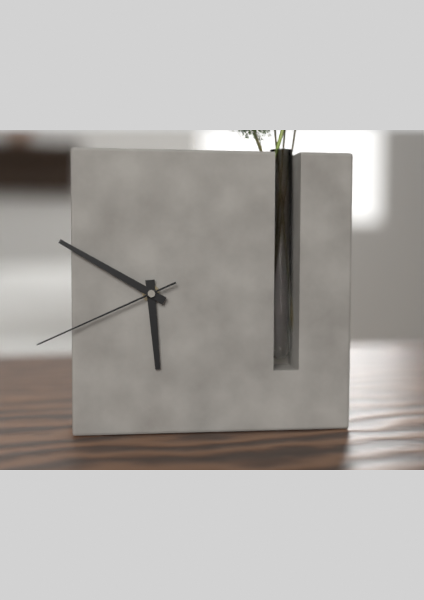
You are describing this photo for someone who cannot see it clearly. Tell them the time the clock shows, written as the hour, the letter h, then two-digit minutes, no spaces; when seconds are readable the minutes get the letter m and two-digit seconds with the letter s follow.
5h50m41s
